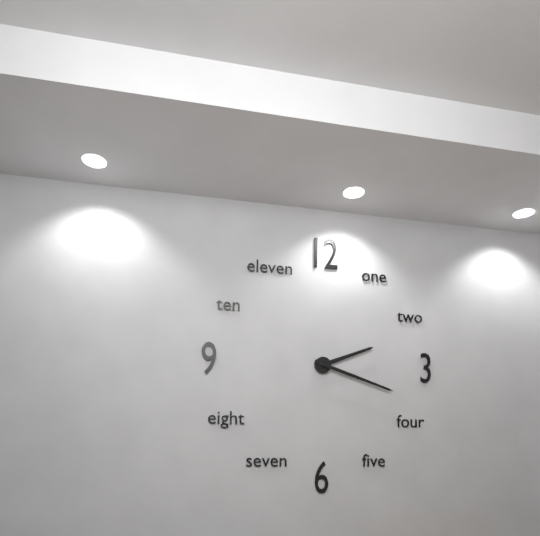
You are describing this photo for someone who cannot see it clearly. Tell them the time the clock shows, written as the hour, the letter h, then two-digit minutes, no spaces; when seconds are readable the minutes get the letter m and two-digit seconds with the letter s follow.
2h18
